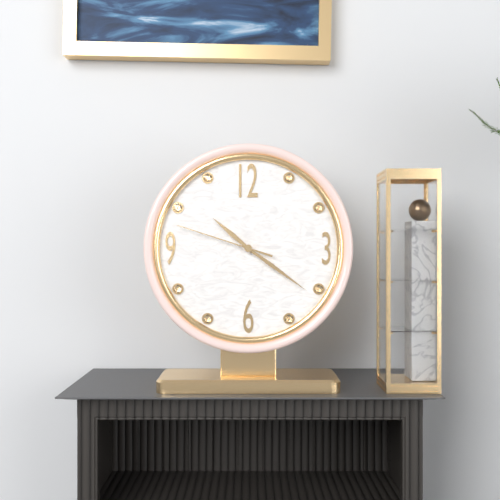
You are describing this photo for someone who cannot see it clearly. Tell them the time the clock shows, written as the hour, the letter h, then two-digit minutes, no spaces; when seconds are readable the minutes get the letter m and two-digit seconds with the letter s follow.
10h21m48s
